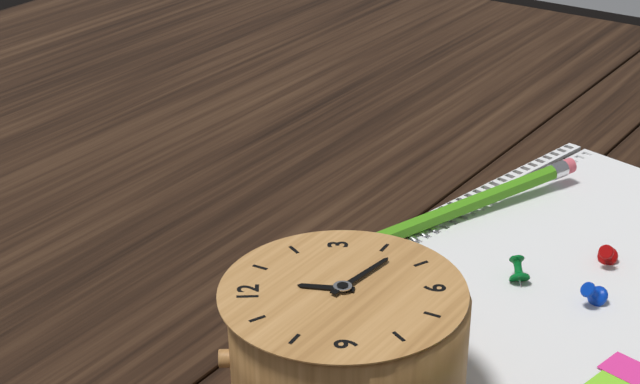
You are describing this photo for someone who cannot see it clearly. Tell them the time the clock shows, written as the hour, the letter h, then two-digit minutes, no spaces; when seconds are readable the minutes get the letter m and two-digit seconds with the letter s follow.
12h22
